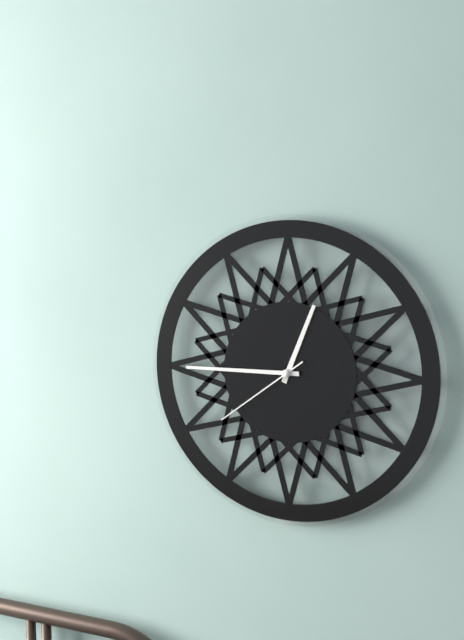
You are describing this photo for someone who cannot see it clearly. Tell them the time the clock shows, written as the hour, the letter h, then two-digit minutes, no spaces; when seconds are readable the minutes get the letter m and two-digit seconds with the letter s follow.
12h45m39s
